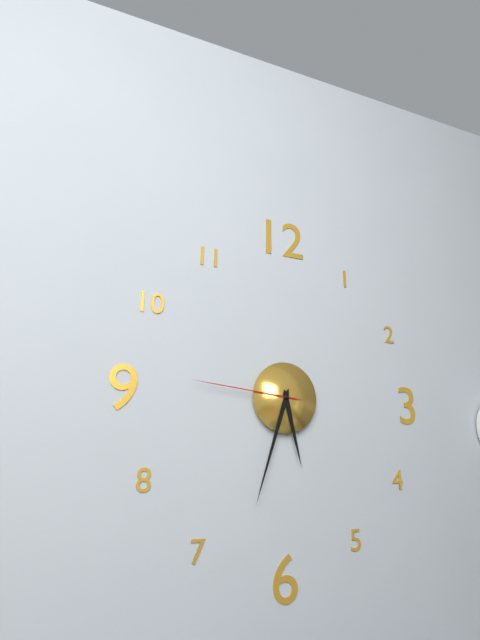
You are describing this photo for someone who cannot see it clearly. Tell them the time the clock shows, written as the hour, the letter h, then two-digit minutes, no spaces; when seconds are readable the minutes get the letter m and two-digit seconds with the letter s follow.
5h33m46s
